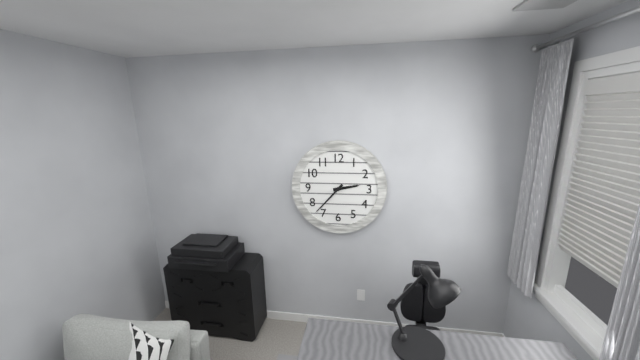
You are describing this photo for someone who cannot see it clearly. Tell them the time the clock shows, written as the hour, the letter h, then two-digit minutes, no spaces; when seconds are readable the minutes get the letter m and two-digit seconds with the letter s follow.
2h37
